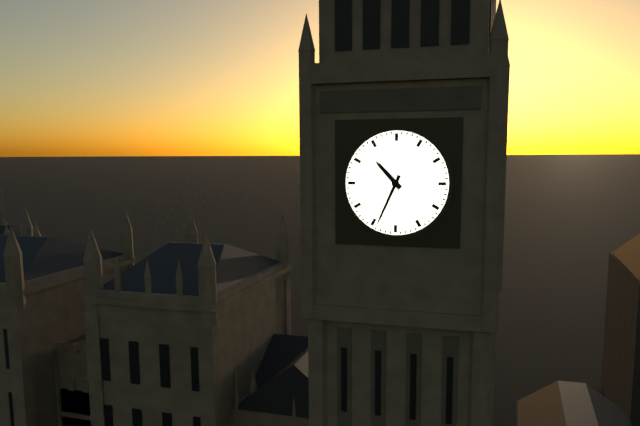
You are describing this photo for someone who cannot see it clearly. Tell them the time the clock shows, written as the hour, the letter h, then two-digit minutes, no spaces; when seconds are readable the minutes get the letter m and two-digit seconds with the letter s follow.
10h34
